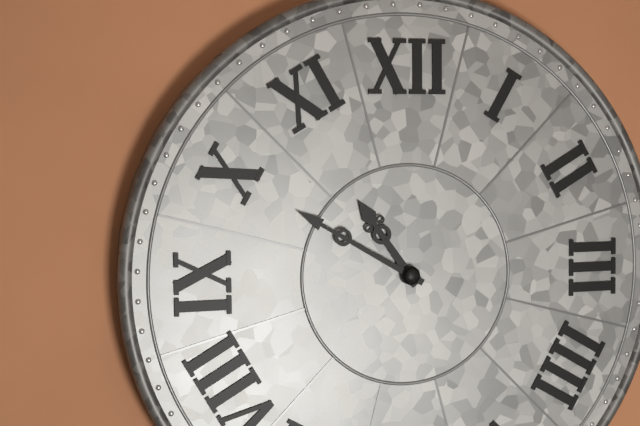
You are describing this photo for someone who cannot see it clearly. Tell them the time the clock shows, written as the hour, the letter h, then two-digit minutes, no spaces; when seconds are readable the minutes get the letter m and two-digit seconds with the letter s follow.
10h50
